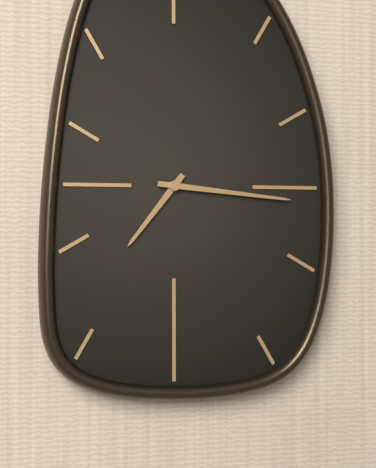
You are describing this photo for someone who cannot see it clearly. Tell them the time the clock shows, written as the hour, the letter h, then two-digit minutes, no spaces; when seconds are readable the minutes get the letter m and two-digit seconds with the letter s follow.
7h16
